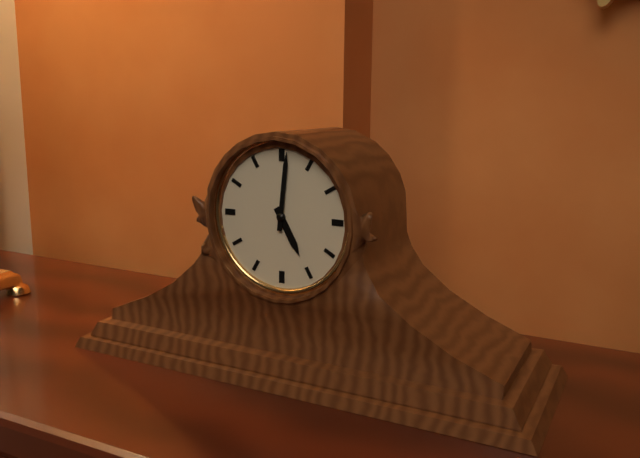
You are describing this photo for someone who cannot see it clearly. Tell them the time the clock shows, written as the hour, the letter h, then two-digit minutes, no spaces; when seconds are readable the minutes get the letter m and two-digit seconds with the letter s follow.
5h01
